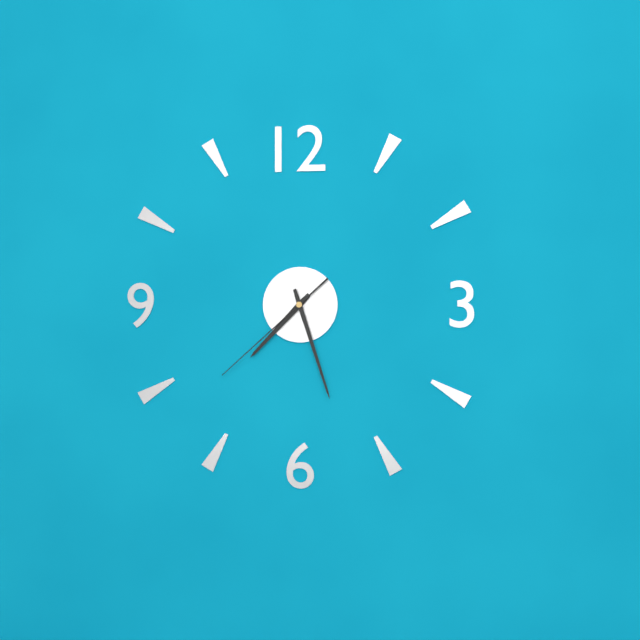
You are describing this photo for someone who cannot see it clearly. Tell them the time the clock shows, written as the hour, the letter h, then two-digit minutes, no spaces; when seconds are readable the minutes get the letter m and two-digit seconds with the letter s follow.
7h27m38s
